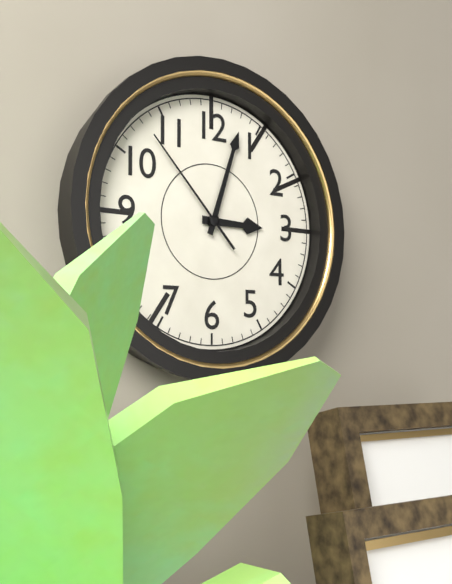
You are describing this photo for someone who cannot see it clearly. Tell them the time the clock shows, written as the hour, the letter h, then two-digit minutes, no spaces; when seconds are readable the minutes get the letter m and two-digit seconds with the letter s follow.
3h03m53s
